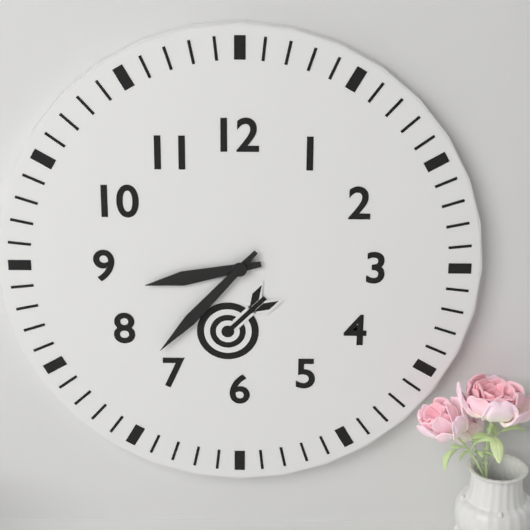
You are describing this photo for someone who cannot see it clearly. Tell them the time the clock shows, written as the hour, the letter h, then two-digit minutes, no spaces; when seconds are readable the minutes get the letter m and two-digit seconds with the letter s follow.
8h37
